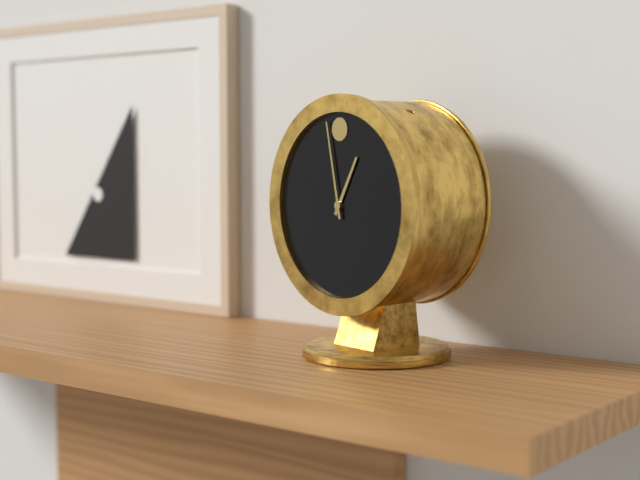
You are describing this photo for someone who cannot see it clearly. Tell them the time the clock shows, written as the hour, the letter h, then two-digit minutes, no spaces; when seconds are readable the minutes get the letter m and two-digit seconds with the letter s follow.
12h58
